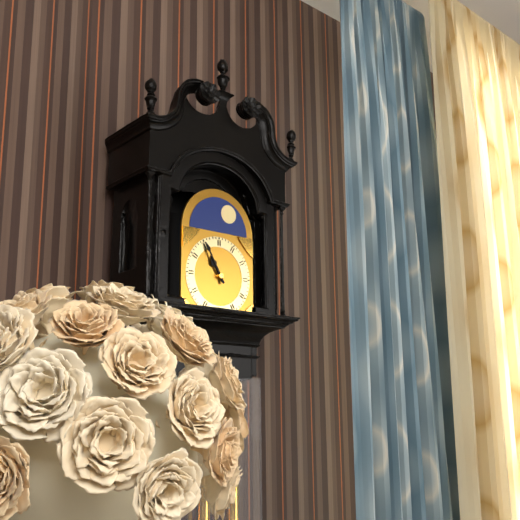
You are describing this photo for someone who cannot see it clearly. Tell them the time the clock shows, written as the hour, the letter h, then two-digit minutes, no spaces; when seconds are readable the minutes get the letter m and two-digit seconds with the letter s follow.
10h55
